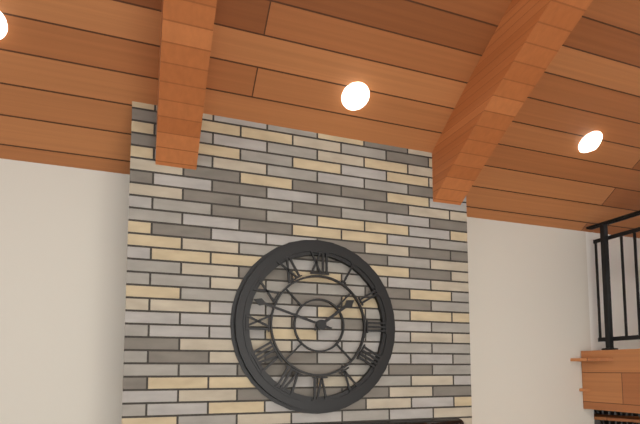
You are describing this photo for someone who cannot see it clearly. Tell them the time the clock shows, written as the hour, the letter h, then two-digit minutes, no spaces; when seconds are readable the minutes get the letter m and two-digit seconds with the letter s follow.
1h48
